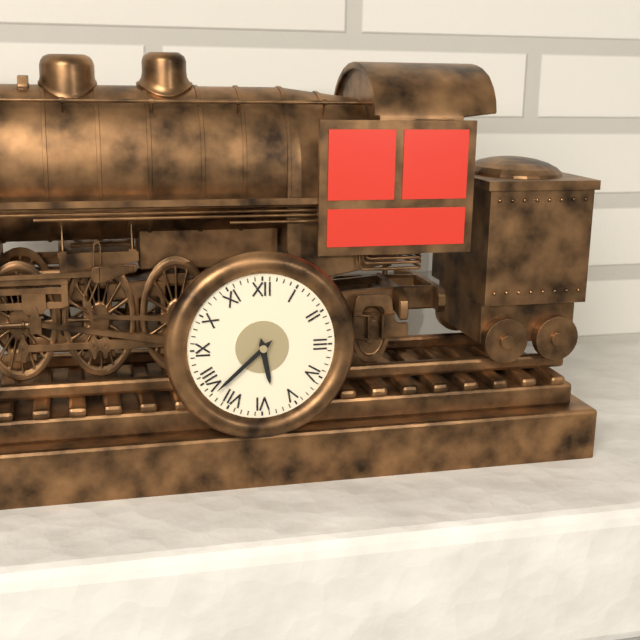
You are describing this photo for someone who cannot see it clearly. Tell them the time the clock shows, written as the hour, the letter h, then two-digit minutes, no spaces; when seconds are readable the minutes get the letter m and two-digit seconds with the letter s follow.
5h38
